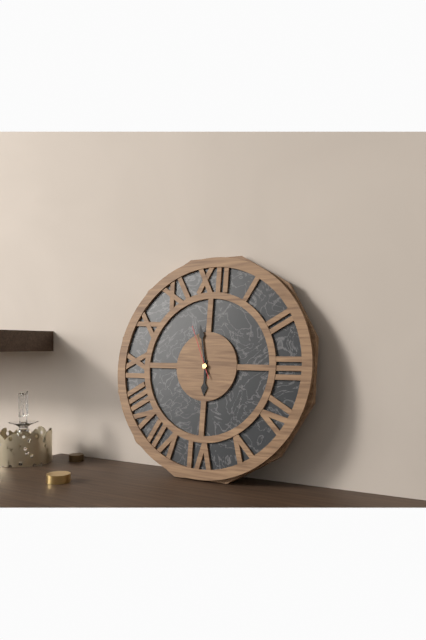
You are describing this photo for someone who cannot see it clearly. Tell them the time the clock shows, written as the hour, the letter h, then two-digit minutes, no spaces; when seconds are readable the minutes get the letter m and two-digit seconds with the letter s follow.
5h58m56s
